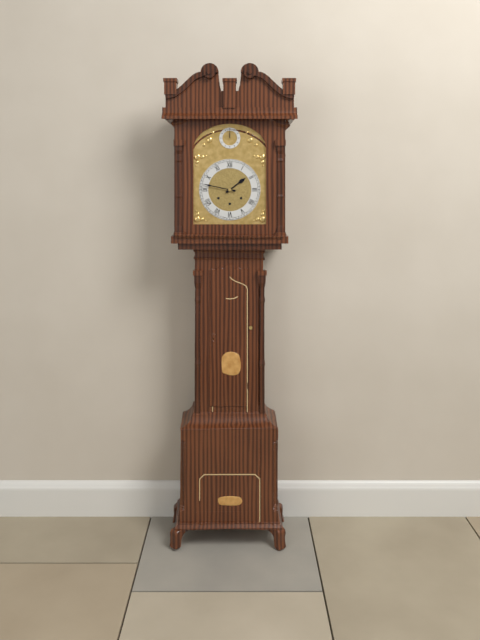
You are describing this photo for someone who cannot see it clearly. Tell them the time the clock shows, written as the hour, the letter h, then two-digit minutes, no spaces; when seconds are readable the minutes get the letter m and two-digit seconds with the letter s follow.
1h47
